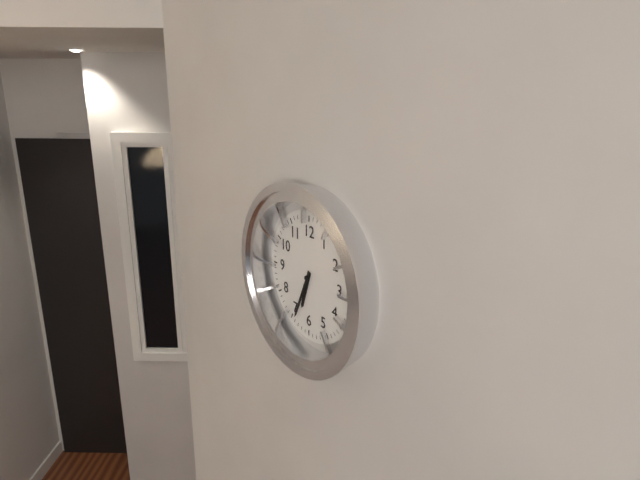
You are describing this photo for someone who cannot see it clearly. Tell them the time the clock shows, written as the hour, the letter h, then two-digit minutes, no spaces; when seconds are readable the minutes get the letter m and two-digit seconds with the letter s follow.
6h34
